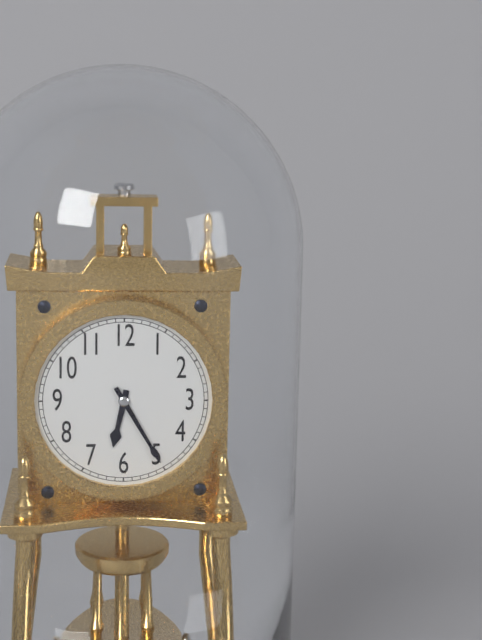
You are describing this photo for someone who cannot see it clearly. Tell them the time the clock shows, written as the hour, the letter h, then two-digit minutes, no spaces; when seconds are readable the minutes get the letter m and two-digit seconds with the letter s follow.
6h25
